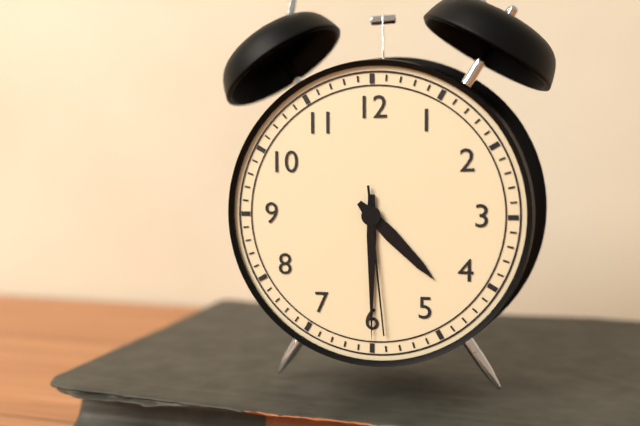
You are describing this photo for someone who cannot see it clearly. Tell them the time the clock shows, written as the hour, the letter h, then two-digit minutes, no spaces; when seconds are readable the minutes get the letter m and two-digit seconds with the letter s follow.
4h30m29s
